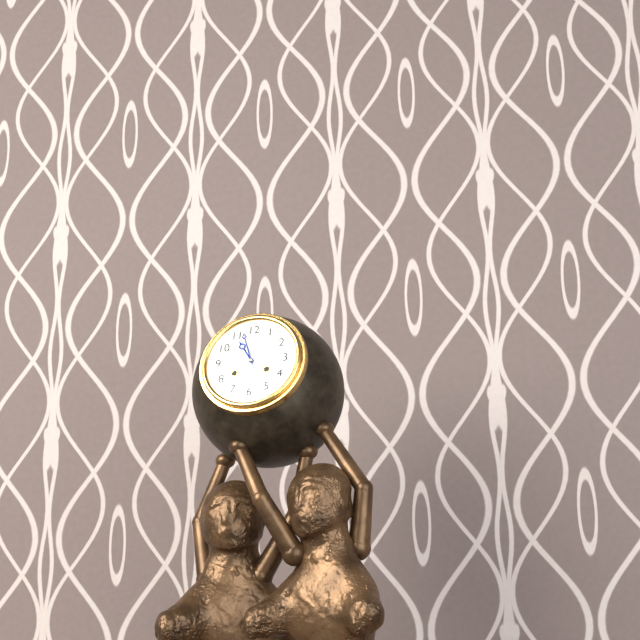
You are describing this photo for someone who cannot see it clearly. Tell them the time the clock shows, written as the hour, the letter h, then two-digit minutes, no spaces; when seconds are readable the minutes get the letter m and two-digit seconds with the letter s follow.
10h57
